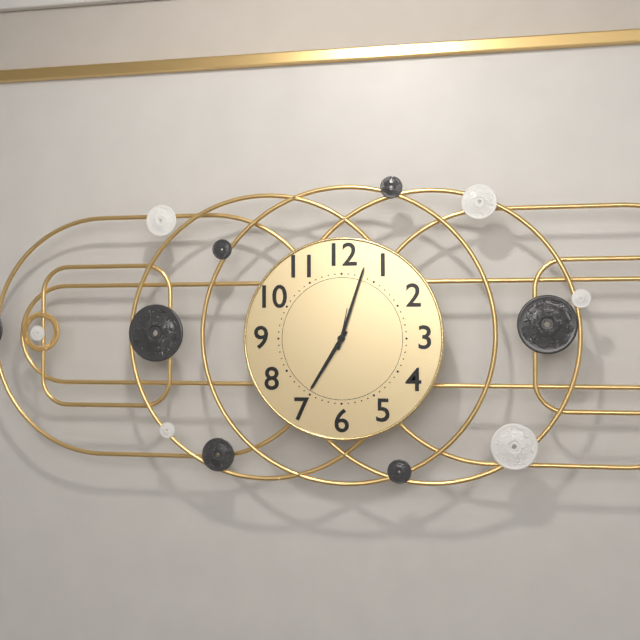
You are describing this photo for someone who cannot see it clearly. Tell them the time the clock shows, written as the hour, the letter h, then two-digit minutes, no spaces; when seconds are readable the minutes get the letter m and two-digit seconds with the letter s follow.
7h03
